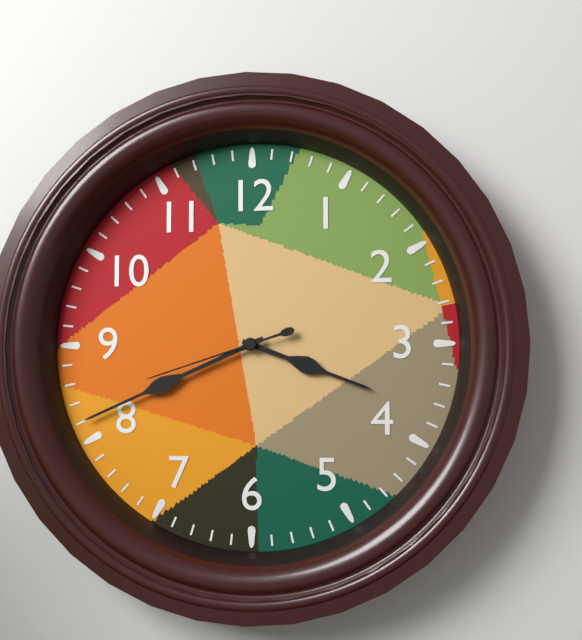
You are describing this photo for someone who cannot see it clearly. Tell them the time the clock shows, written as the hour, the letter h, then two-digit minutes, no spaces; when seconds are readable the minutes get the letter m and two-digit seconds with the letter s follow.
3h41m42s
